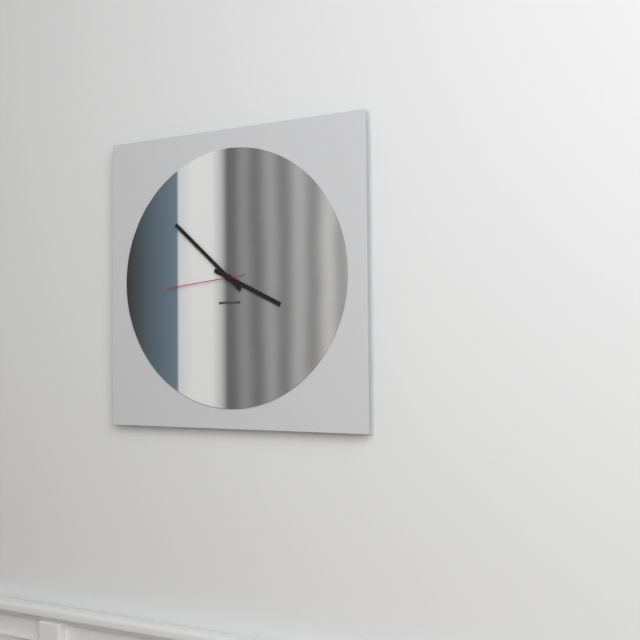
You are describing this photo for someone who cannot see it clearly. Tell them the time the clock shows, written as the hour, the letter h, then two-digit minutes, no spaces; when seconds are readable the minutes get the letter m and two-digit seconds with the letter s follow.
3h52m44s
